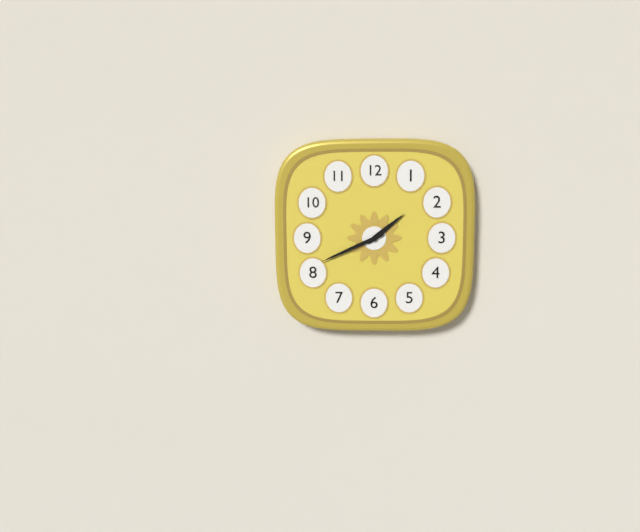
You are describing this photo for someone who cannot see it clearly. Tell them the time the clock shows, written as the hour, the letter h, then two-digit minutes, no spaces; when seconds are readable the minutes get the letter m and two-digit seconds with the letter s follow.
1h41
